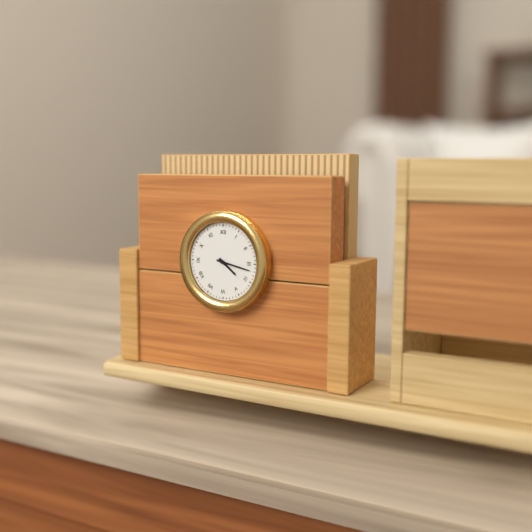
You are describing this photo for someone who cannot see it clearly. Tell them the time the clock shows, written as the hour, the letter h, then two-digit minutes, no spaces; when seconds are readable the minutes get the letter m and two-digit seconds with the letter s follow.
4h17
